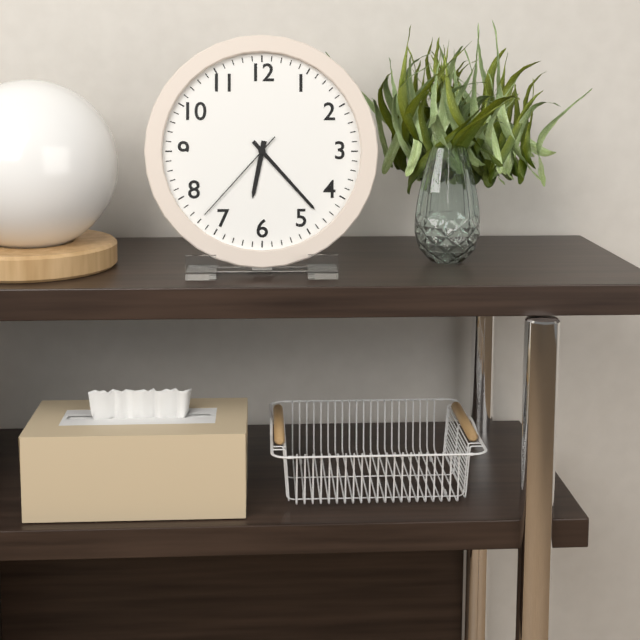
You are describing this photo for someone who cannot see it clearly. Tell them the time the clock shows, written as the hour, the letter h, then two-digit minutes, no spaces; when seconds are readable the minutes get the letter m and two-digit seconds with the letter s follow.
6h23m37s
